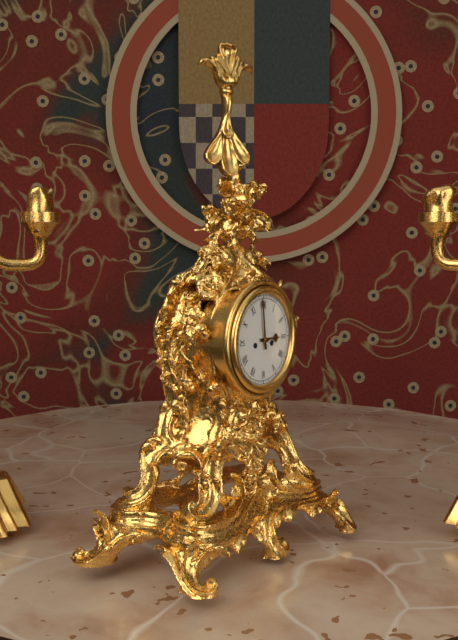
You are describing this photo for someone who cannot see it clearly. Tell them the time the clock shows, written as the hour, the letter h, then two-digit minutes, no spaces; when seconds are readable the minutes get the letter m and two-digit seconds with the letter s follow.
2h59
